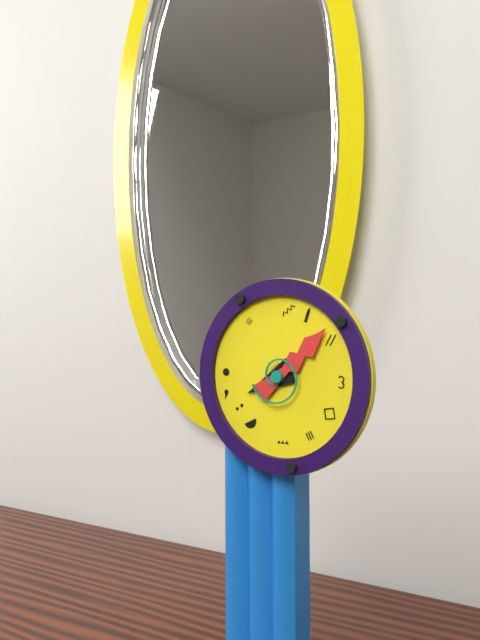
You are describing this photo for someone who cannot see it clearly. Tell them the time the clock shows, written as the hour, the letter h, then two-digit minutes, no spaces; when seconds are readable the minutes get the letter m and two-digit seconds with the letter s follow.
8h08
